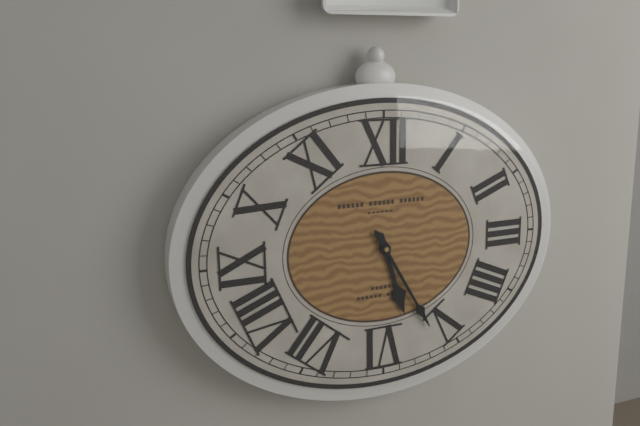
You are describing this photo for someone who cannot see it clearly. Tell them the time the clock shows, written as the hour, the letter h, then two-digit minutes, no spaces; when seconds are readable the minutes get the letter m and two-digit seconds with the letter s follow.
5h25
